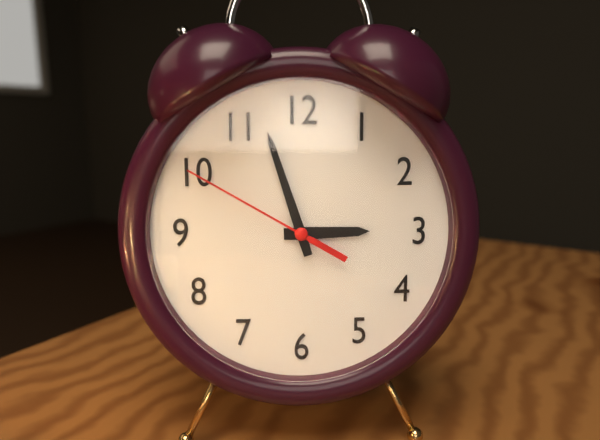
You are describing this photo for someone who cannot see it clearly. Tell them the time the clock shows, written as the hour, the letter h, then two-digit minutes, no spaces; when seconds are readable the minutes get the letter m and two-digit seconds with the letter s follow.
2h57m50s
